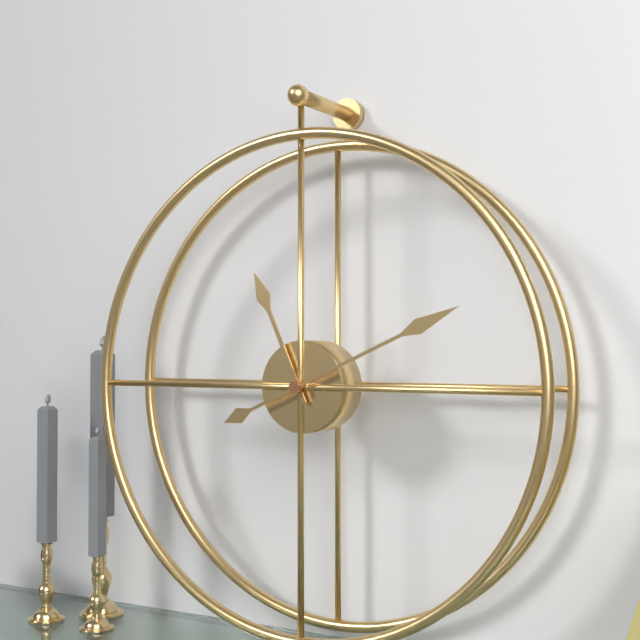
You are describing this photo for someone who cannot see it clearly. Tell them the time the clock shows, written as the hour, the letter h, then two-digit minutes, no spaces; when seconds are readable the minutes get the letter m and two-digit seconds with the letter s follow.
11h11
